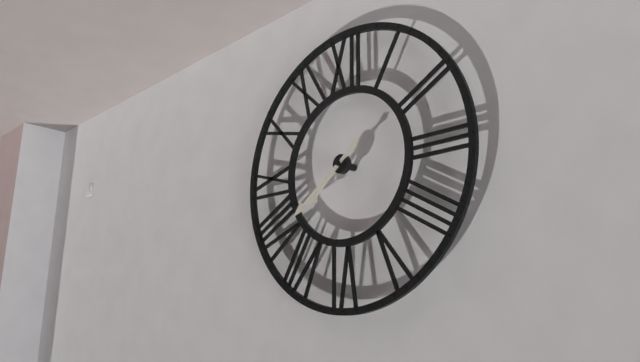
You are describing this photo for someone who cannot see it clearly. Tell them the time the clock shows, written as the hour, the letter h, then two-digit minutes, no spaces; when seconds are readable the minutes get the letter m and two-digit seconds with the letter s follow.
7h39
